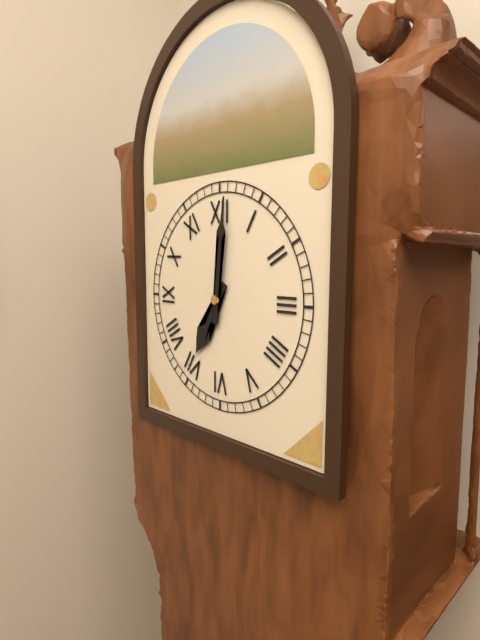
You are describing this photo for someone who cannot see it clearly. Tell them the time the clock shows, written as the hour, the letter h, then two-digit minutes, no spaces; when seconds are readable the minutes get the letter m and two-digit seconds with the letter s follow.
7h01
